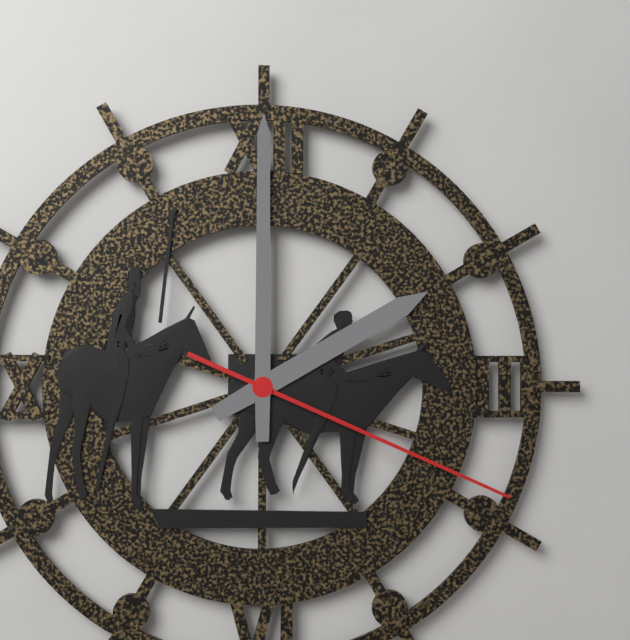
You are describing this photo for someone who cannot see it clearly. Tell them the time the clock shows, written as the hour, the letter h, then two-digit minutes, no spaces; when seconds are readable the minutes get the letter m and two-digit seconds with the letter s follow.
2h00m19s
